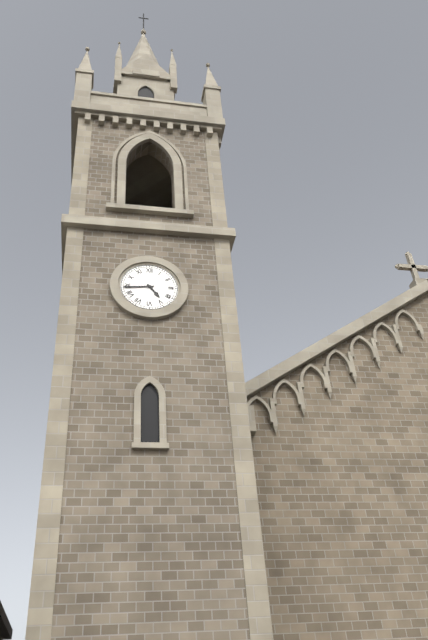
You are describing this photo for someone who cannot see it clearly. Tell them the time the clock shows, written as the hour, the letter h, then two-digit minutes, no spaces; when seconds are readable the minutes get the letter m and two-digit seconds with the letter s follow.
4h44
